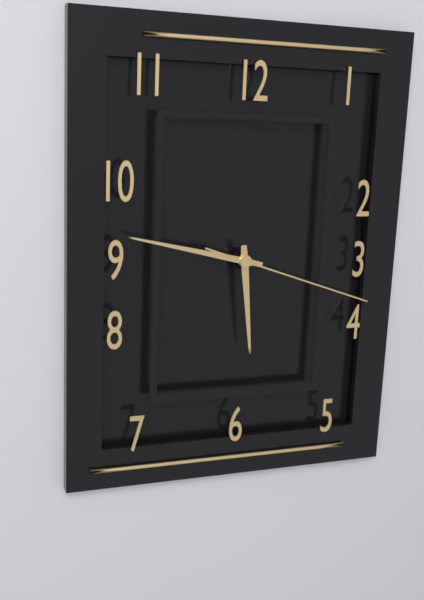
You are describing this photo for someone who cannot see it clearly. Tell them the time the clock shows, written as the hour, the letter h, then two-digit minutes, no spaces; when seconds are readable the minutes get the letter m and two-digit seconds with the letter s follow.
5h47m18s
